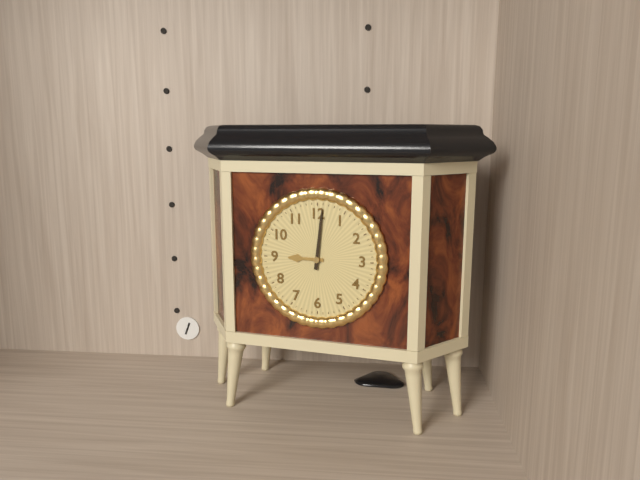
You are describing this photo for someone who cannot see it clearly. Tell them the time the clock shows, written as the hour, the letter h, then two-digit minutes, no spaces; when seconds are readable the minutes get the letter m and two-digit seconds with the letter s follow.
9h01
